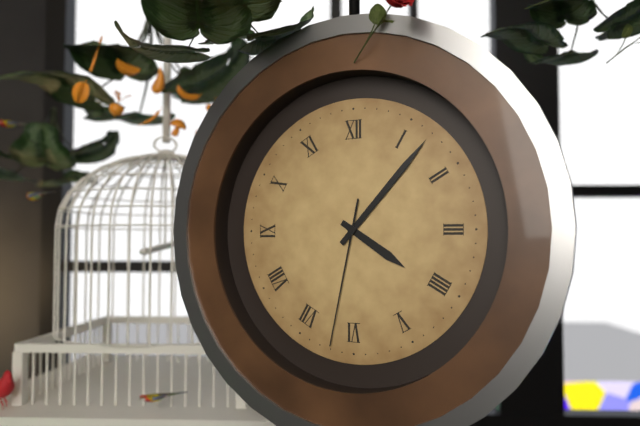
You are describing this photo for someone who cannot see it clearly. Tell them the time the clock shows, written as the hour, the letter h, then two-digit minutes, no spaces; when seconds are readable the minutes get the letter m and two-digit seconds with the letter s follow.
4h07m32s
